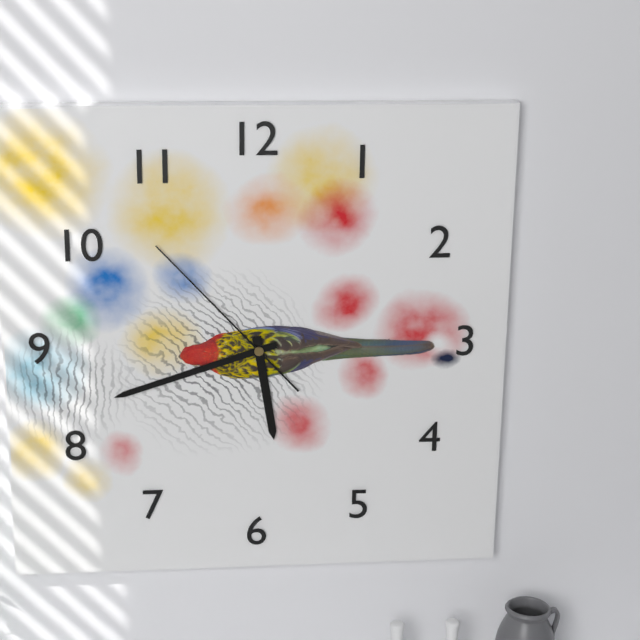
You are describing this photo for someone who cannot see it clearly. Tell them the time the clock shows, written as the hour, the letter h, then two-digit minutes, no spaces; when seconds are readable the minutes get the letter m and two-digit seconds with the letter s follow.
5h42m53s
